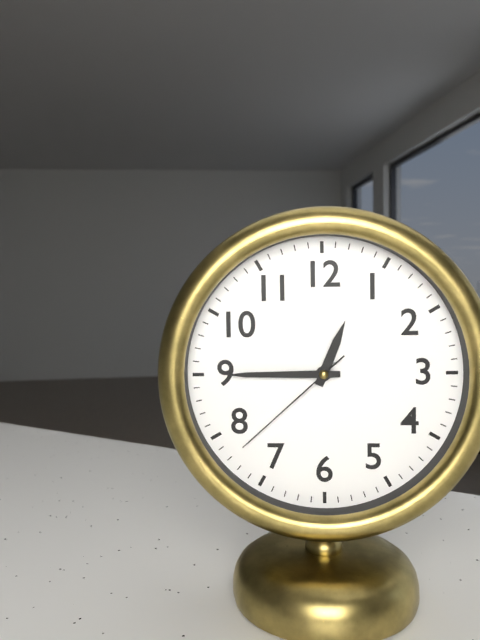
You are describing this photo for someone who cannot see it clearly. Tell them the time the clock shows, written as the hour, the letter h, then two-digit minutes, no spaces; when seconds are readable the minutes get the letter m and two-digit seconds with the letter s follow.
12h45m38s
